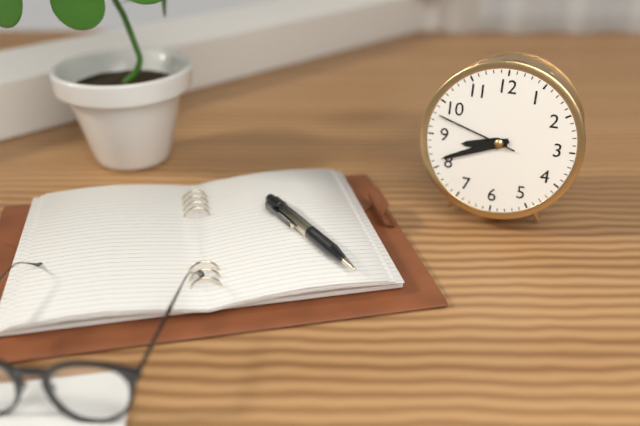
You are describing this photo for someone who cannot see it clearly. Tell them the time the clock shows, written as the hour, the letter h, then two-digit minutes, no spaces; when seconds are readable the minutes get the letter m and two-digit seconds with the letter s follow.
8h41m48s
